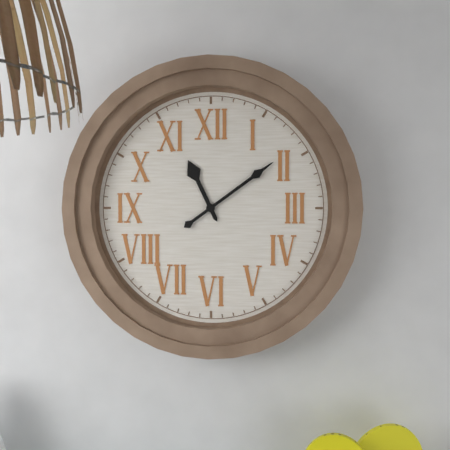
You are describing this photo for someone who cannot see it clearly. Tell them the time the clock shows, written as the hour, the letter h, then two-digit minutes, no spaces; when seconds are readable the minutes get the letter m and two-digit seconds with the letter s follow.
11h09
